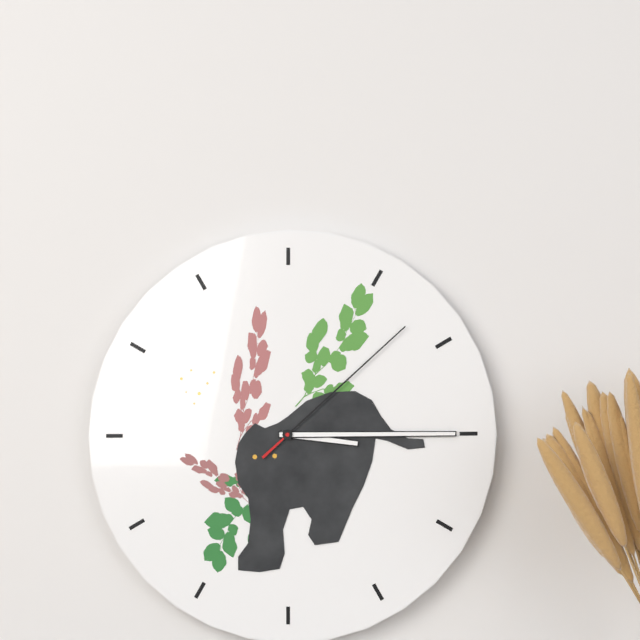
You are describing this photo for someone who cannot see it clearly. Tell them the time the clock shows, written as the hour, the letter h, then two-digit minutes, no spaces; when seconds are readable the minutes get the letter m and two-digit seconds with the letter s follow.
3h15m08s
